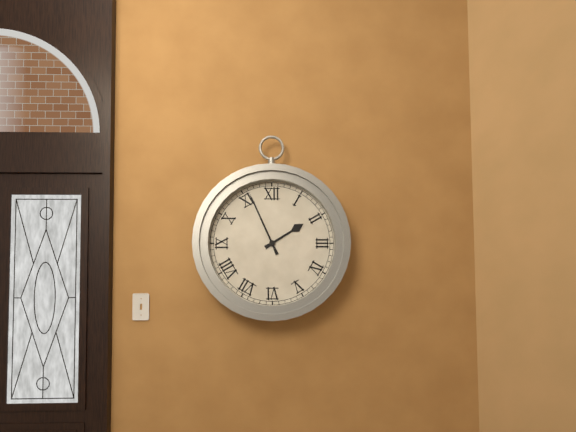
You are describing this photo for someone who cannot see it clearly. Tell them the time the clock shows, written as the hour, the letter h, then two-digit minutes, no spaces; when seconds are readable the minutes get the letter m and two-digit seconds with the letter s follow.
1h56
